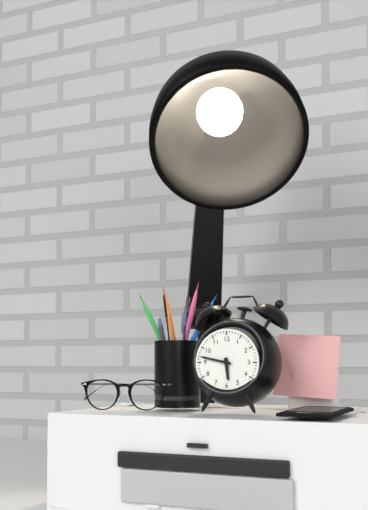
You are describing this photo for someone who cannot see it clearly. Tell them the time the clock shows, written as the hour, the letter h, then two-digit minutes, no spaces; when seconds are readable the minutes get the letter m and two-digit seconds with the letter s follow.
5h47
